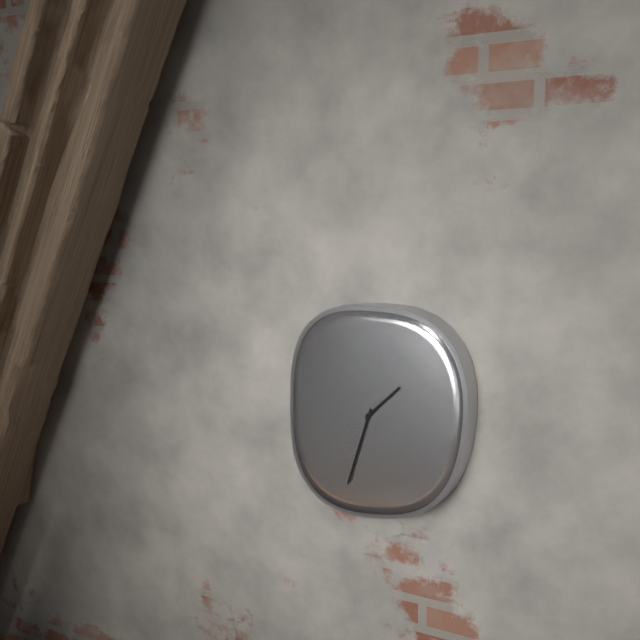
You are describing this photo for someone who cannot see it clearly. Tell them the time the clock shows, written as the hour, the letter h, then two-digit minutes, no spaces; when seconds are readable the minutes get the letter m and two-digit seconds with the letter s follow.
1h33
